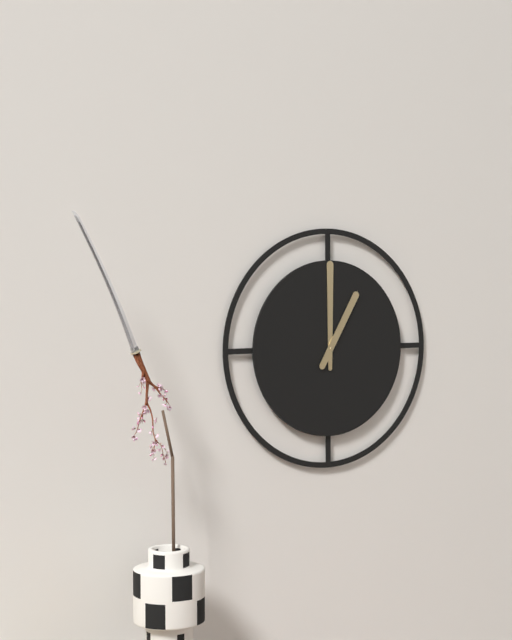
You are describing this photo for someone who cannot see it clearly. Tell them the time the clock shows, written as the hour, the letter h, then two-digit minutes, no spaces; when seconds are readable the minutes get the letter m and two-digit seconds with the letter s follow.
1h00
